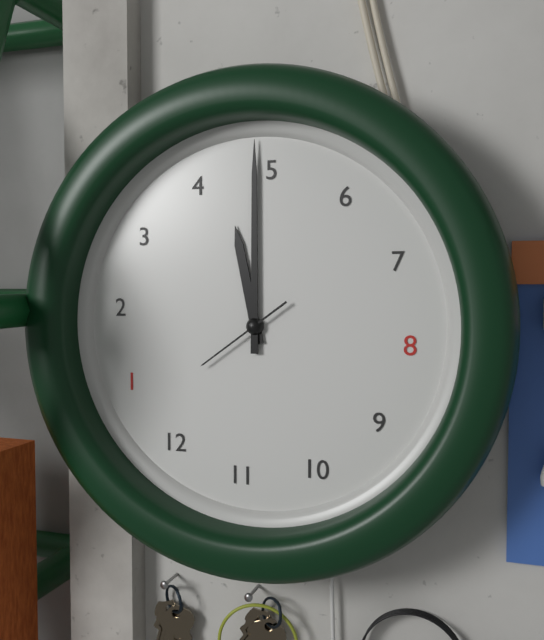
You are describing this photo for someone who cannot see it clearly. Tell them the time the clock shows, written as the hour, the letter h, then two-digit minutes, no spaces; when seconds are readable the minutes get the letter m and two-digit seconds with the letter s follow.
4h24m03s
